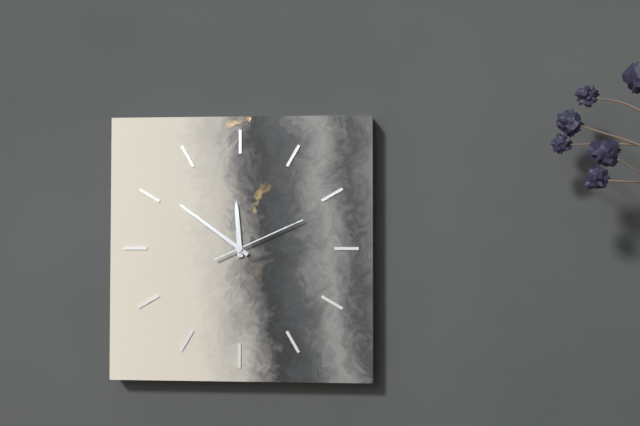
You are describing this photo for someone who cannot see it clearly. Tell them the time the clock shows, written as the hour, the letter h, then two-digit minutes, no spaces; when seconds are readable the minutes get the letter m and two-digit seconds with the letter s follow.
11h51m11s
